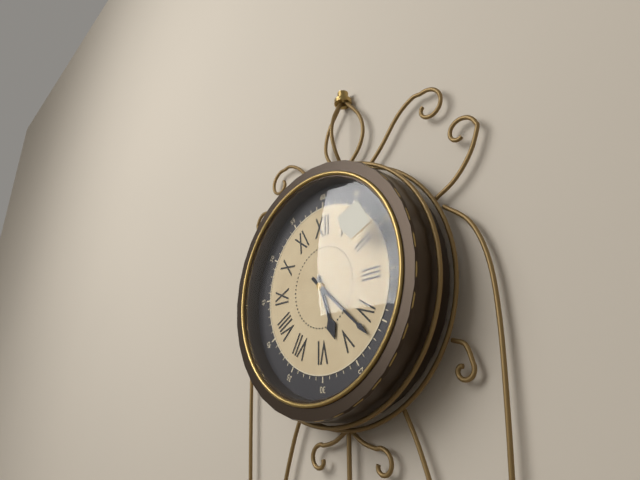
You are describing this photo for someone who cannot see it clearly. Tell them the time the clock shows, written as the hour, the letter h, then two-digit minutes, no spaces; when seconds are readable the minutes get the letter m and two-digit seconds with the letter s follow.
5h22
